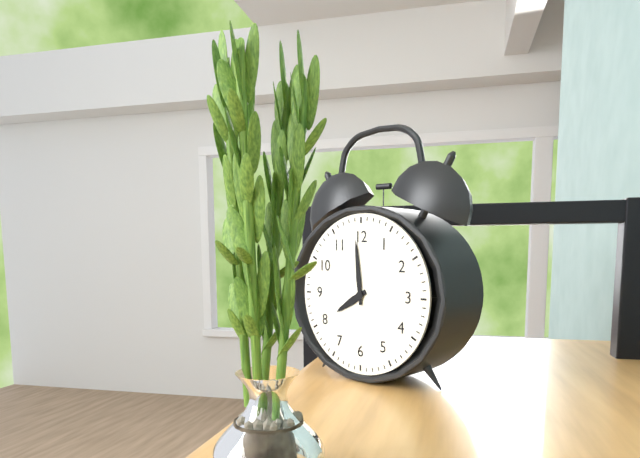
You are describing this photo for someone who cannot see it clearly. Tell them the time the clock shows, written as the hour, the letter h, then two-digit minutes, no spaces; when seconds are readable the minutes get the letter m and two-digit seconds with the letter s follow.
7h59
